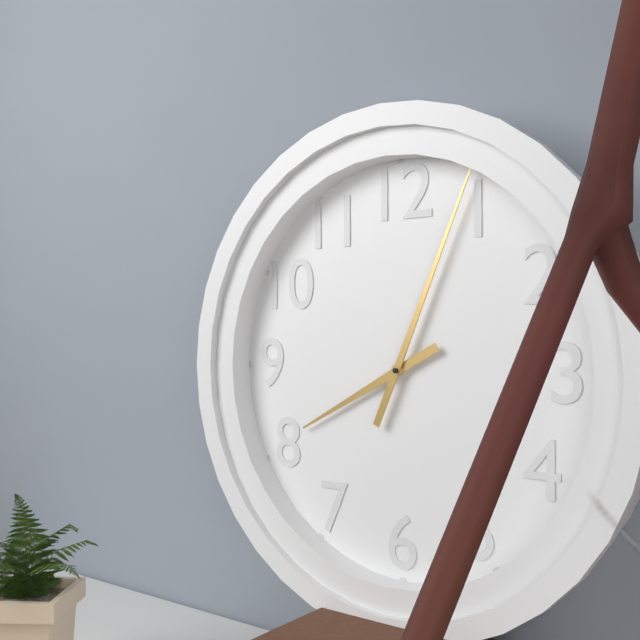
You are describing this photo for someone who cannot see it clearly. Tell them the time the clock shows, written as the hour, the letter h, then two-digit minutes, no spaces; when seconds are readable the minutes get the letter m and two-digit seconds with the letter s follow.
8h04
